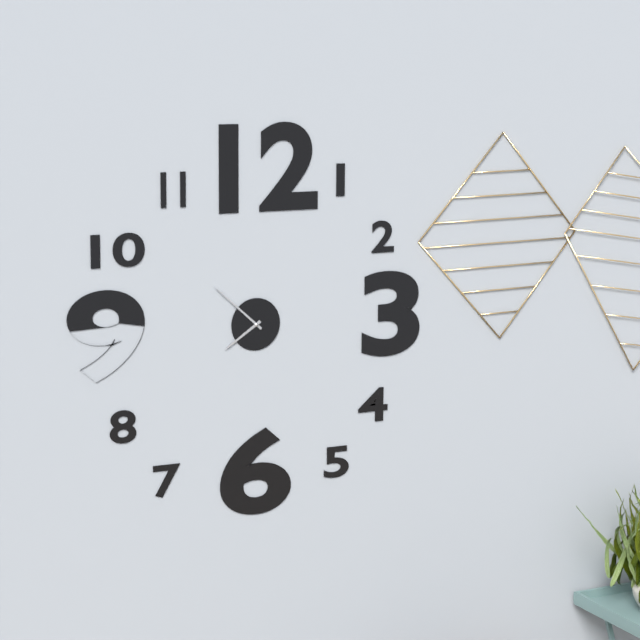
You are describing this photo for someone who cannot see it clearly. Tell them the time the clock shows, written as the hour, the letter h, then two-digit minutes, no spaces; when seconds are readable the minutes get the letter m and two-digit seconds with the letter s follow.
7h52
